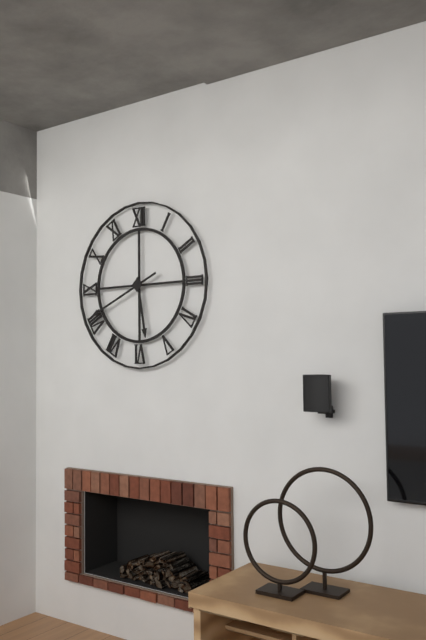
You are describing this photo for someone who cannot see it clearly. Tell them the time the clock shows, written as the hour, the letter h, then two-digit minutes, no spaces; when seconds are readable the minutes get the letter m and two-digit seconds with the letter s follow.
5h41
